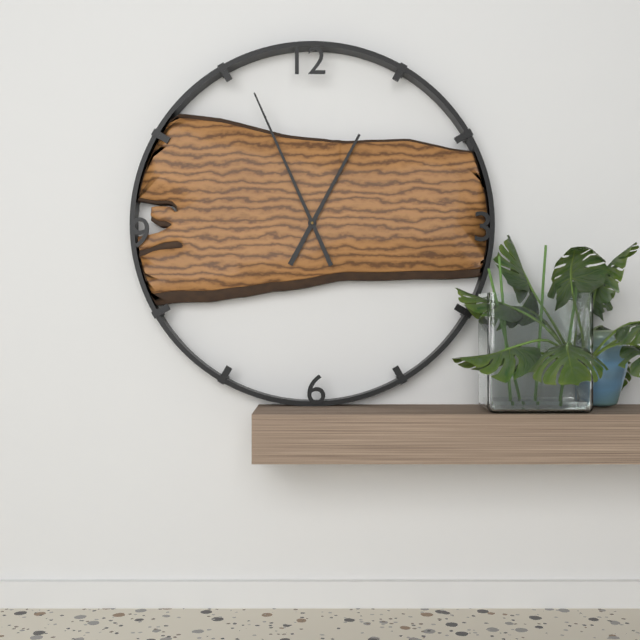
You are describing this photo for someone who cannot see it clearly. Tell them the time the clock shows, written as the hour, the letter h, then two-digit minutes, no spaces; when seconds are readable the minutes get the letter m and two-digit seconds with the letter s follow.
12h56
